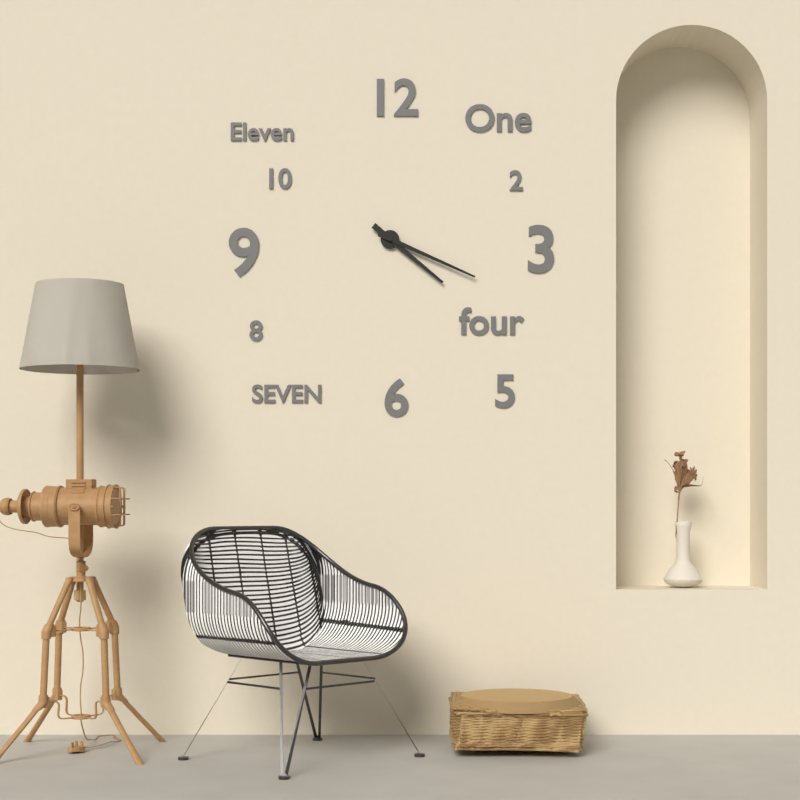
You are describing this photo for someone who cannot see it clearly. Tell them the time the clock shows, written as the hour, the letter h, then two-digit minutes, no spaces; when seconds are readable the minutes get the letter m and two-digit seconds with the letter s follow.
4h19
